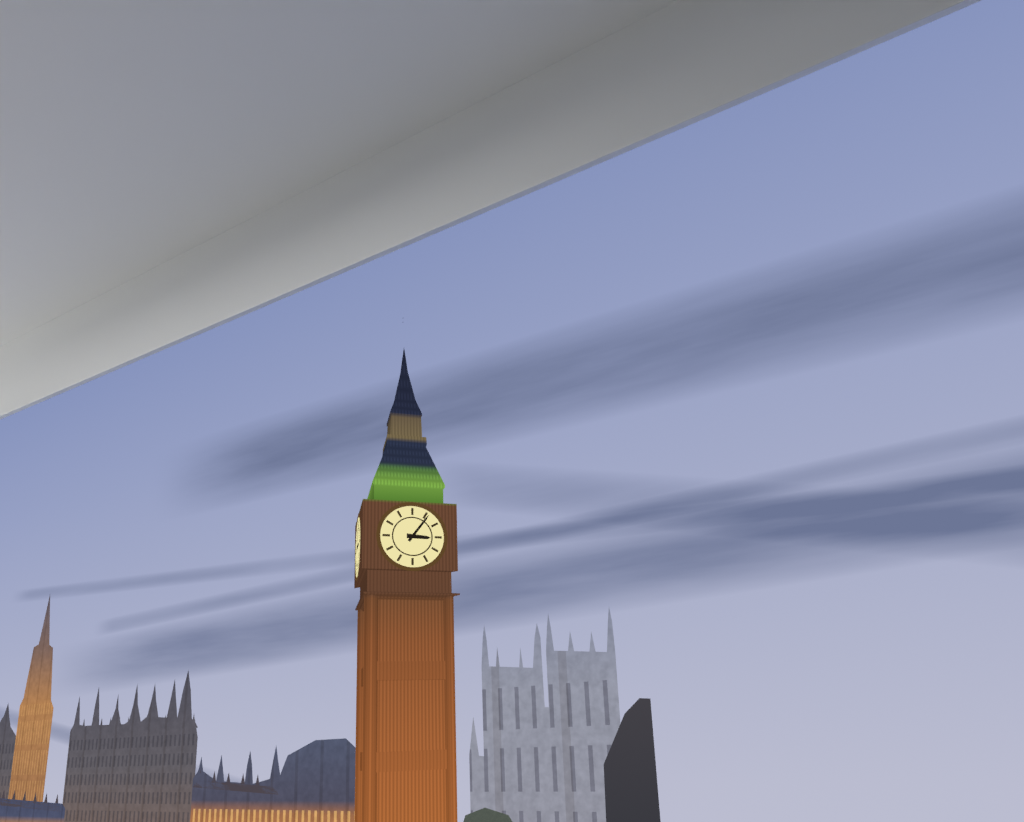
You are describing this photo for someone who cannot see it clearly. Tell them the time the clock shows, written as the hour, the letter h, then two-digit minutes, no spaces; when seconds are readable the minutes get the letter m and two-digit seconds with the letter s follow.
3h06
